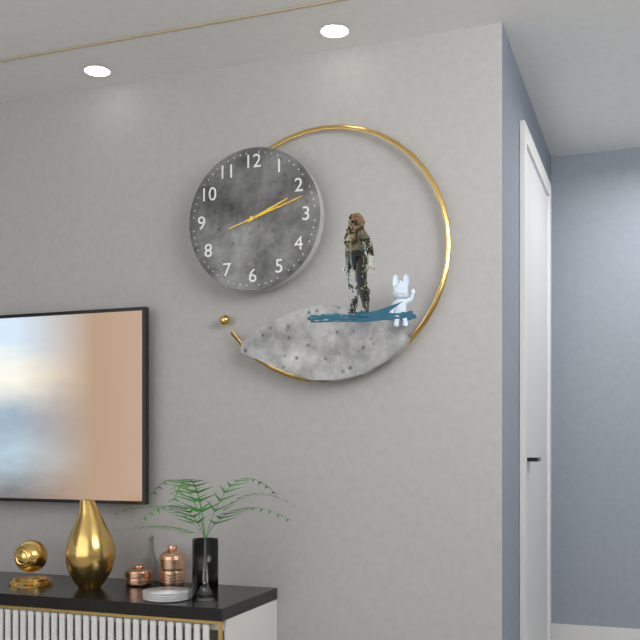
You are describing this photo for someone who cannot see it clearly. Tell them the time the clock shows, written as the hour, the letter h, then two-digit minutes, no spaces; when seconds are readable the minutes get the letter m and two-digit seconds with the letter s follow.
2h12m12s
